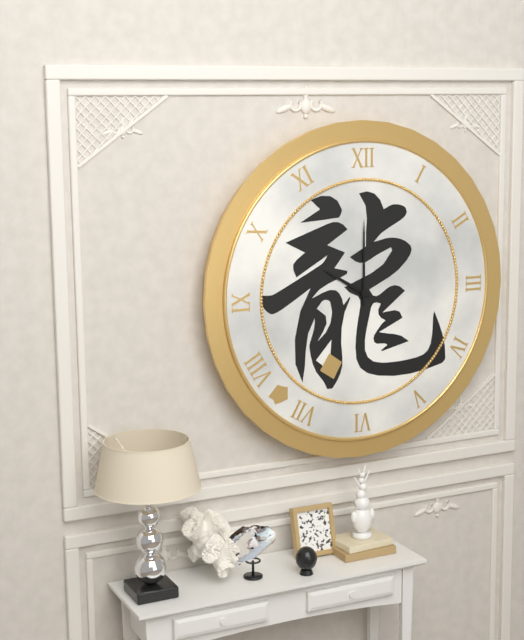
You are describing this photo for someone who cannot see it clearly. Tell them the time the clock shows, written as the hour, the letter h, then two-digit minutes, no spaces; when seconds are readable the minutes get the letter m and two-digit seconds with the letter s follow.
10h00
